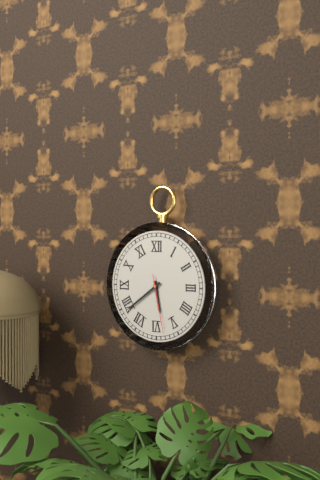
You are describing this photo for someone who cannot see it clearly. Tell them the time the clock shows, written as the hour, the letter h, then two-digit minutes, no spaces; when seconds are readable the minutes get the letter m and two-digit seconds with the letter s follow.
5h39m28s
